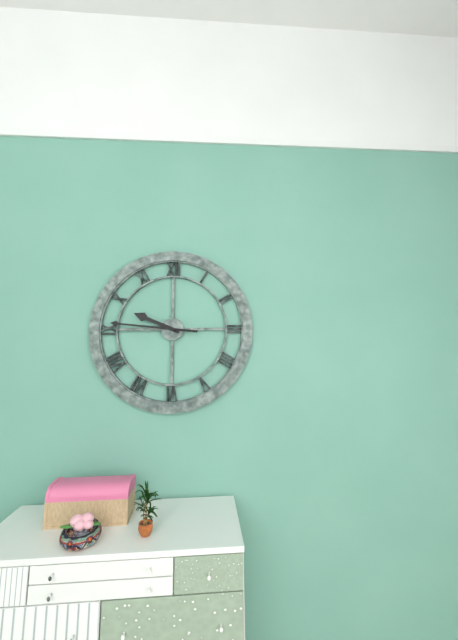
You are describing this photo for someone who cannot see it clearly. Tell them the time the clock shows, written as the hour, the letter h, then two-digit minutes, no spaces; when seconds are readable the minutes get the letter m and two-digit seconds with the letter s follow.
9h46
